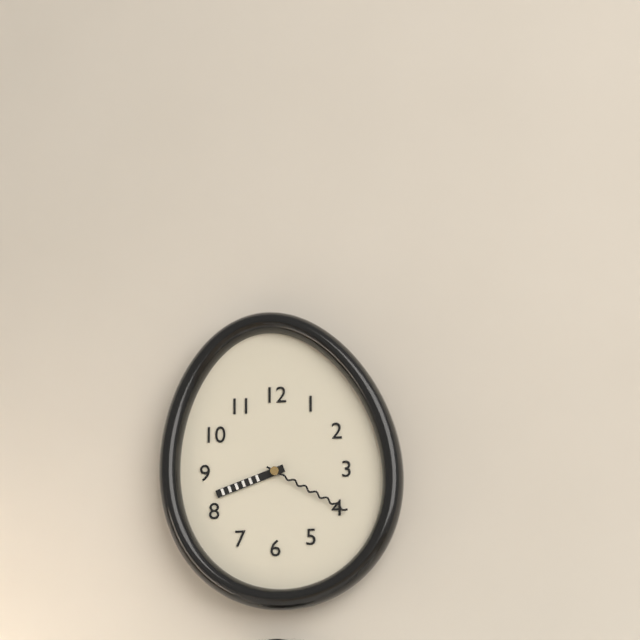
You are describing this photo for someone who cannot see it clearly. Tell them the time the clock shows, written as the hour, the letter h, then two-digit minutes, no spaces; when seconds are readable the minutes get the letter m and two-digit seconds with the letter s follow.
8h20
